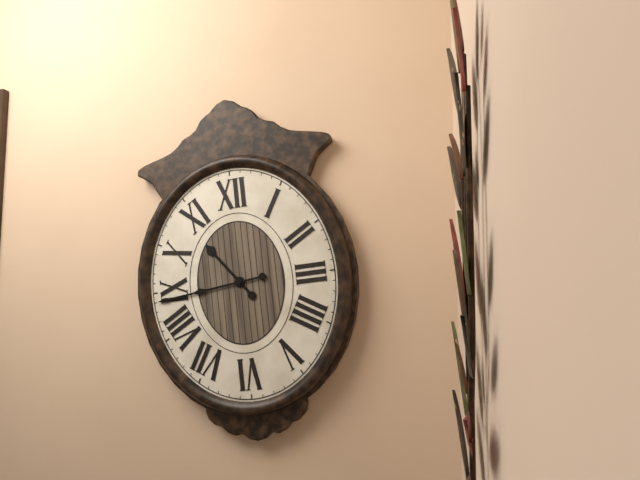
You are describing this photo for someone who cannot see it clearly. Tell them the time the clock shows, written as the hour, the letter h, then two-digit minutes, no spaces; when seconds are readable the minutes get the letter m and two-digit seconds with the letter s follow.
10h44
